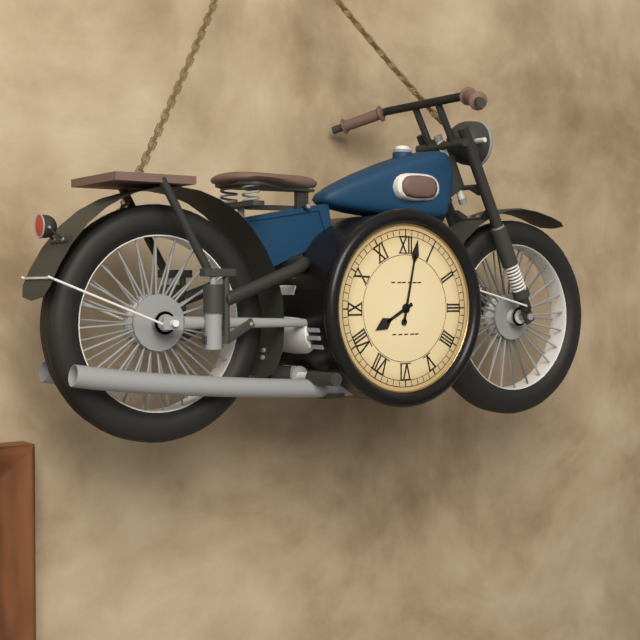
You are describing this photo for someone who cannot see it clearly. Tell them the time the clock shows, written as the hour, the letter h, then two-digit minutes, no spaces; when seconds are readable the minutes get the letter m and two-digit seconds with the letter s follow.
8h02
